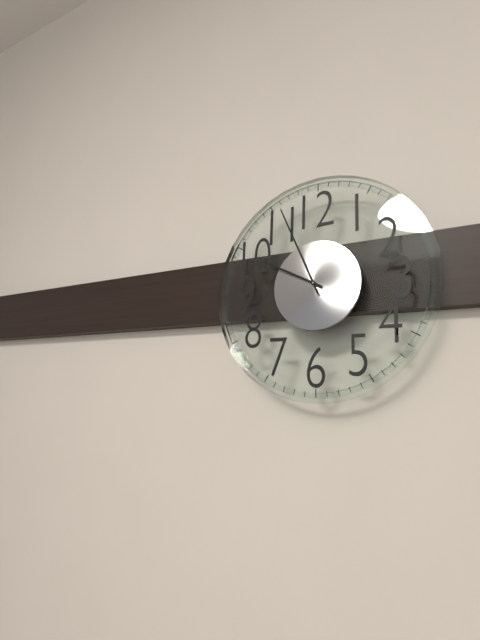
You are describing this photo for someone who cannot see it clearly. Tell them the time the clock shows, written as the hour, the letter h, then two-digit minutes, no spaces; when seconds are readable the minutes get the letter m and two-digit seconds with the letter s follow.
9h56
